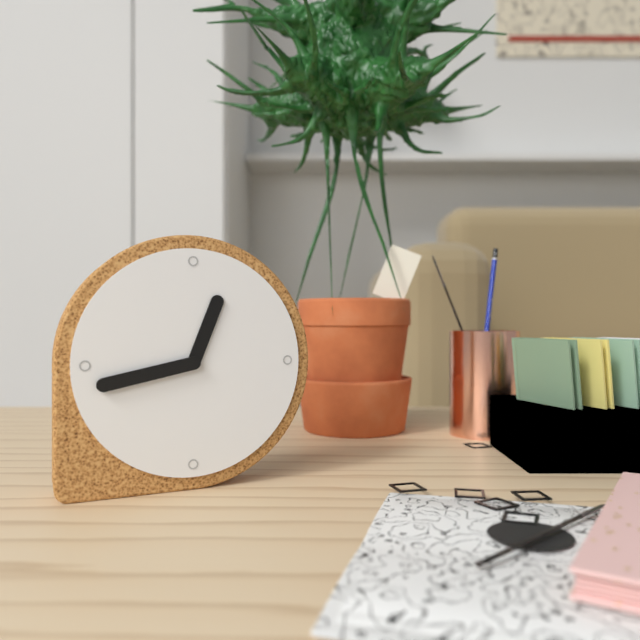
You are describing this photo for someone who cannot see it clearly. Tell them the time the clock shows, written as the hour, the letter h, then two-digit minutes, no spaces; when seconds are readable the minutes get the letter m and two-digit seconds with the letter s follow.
12h43
